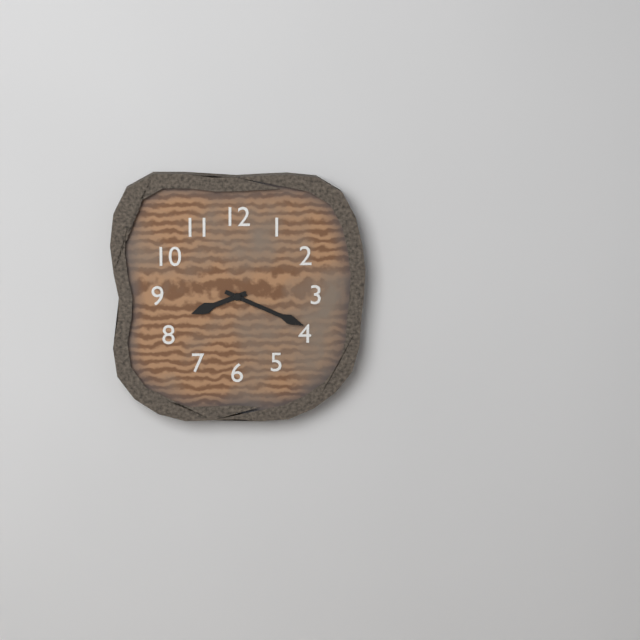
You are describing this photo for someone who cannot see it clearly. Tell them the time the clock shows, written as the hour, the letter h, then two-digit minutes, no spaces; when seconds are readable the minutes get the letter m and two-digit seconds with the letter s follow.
8h19
